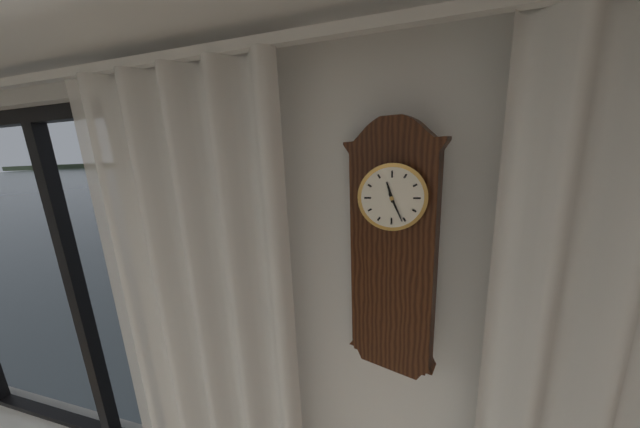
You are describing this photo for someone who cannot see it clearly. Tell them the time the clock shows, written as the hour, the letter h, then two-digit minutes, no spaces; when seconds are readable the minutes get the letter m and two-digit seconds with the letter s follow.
11h26
